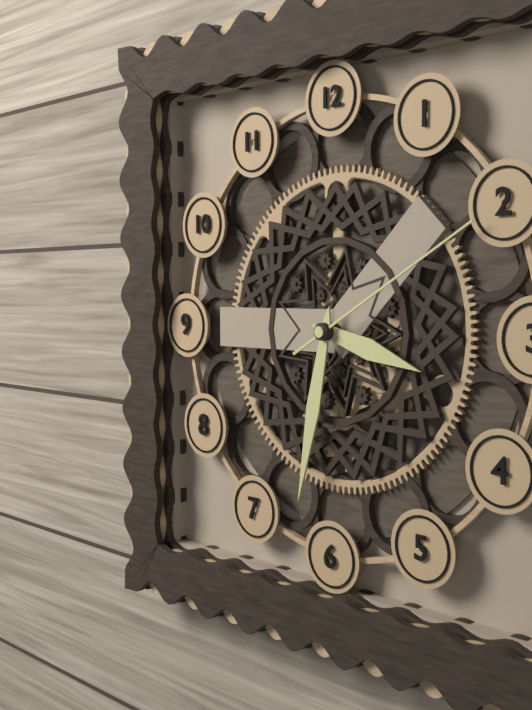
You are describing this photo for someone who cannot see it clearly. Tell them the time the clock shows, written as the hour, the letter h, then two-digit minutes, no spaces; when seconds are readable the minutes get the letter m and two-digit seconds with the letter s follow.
3h32m10s
